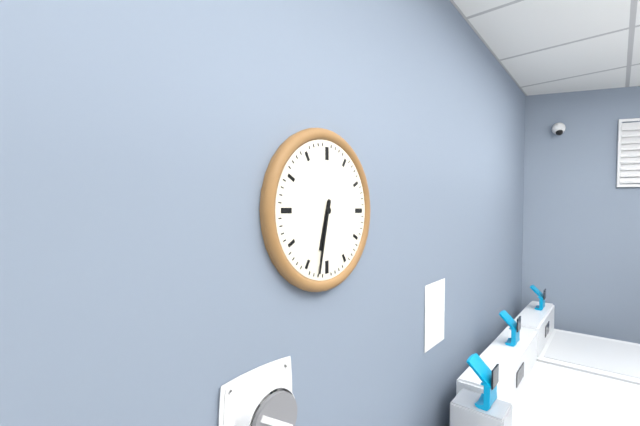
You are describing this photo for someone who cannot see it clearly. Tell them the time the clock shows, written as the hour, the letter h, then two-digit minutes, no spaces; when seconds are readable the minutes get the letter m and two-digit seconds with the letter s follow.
6h32
